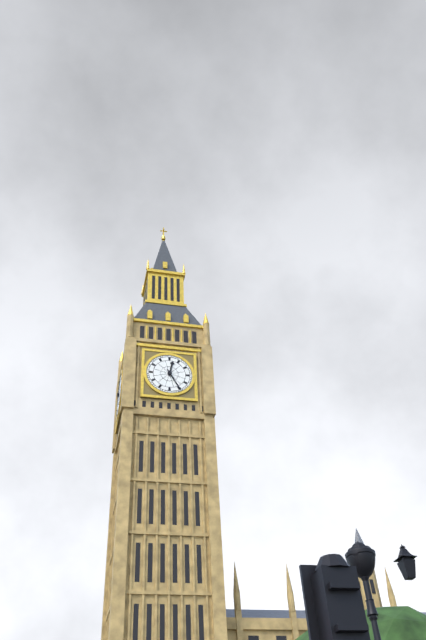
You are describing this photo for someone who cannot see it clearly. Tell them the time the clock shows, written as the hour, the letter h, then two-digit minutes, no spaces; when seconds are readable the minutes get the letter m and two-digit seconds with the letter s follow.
12h25
